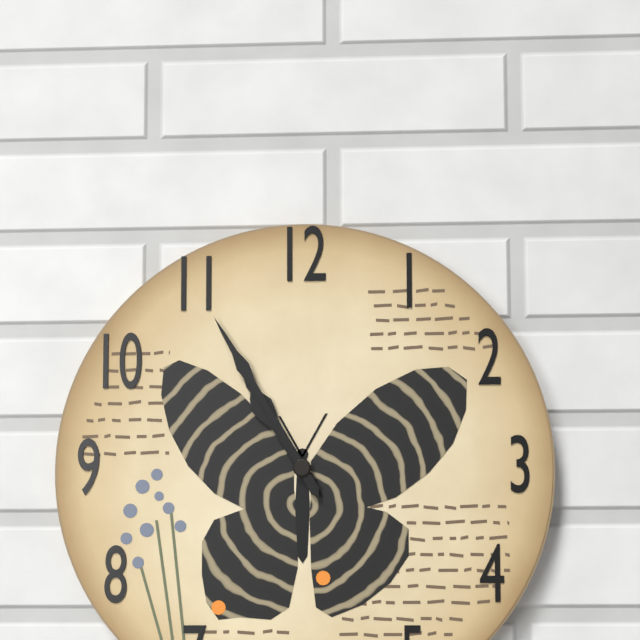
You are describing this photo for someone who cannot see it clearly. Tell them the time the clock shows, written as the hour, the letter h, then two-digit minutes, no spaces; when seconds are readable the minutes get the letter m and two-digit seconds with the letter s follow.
10h55
